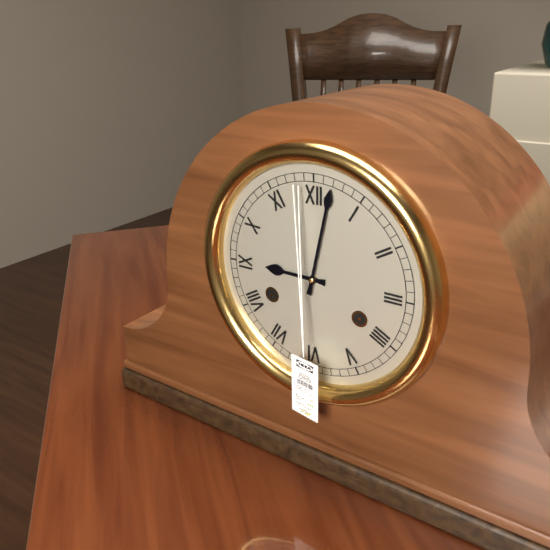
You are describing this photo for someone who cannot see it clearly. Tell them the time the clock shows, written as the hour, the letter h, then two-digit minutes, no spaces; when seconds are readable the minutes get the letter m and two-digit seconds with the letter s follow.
9h02
